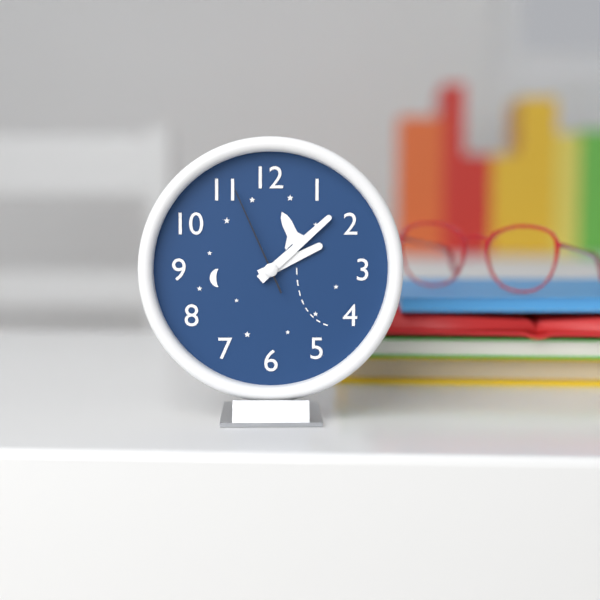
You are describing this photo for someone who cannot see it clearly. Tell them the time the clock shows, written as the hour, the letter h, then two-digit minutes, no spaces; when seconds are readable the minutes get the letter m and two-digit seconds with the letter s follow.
2h08m56s
